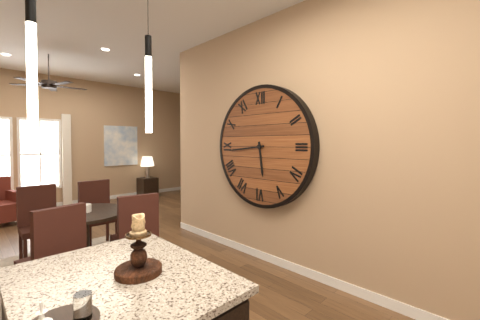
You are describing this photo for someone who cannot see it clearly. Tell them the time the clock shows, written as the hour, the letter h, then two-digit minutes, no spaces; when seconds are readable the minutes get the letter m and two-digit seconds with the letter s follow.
5h44
